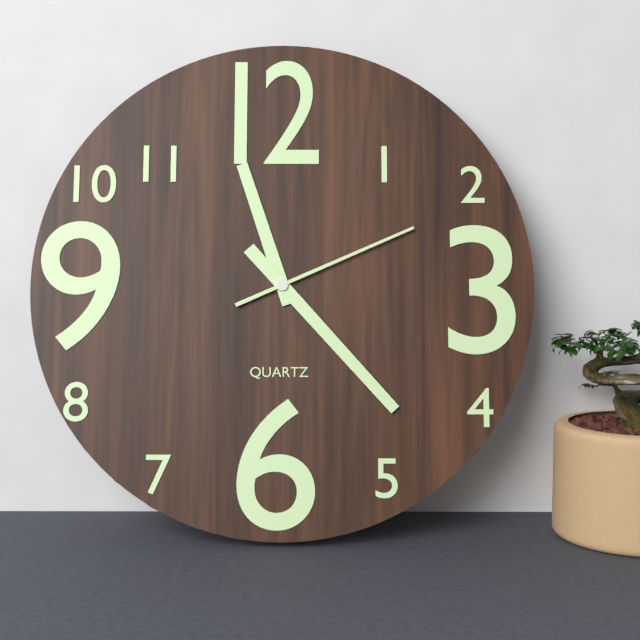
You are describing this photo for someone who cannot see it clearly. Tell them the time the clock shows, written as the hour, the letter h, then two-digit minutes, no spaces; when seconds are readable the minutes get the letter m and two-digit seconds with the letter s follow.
11h23m11s
